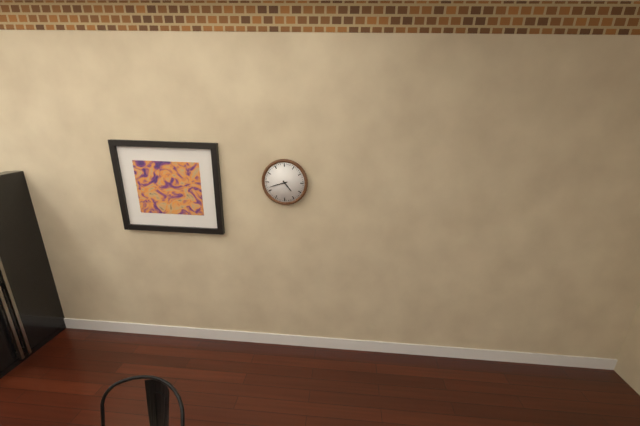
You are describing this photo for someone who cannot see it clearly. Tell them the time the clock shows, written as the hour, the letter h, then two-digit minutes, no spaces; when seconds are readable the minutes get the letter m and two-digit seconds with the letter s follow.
4h42
